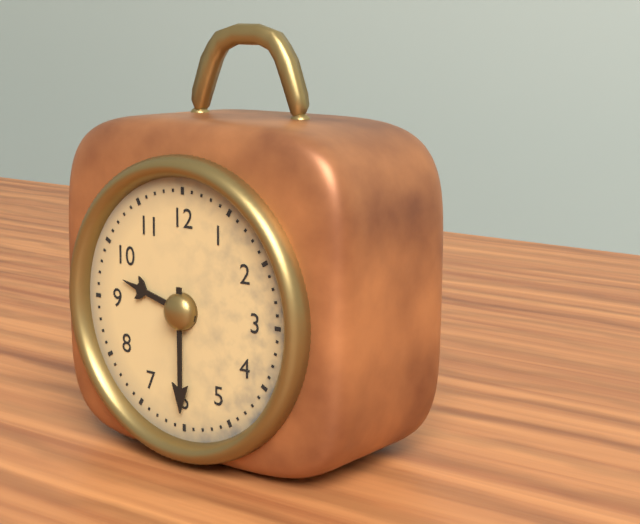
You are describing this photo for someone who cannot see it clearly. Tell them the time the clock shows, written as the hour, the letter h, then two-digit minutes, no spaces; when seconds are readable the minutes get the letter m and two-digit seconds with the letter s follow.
9h30
